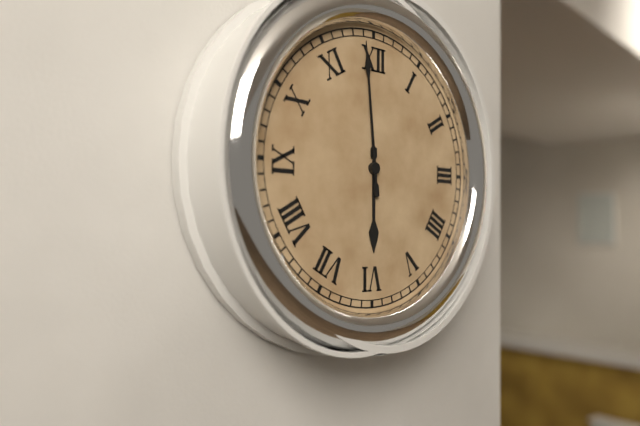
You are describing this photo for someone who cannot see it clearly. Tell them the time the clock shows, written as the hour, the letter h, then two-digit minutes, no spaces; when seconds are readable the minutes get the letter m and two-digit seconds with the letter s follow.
5h59
